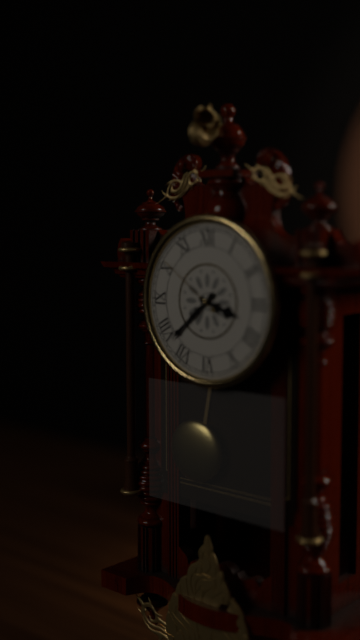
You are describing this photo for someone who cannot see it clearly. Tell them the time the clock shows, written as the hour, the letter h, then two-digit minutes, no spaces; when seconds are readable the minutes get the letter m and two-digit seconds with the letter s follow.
3h38m51s
